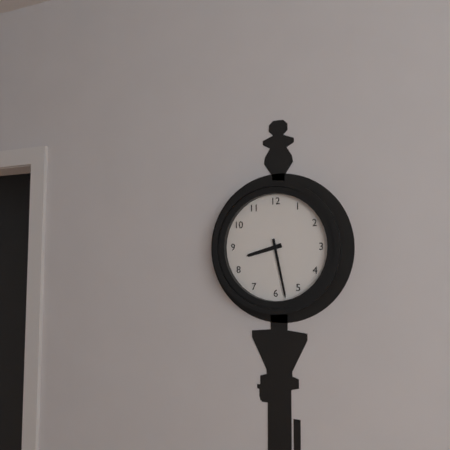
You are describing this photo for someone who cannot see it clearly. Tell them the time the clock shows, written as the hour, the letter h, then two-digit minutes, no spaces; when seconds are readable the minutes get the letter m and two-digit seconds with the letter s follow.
8h28
